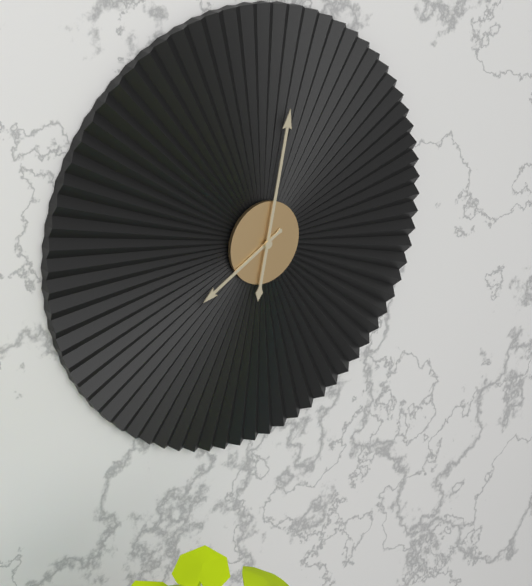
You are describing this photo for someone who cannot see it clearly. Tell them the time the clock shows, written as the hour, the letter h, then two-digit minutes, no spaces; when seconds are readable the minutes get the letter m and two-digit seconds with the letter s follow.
8h02
